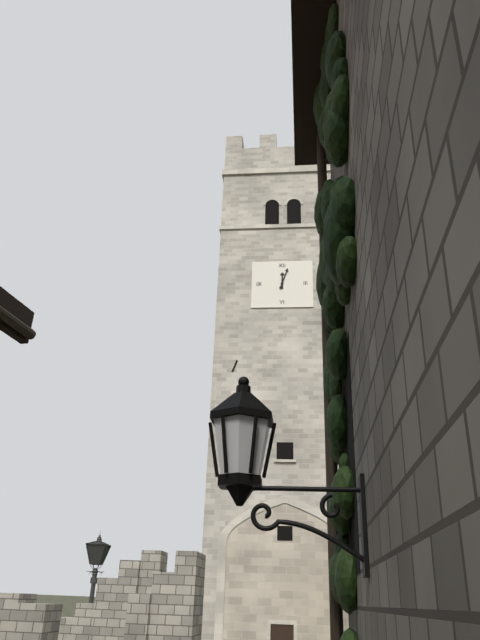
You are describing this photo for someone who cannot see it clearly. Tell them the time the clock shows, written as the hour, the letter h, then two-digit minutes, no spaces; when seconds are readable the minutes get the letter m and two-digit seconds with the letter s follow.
12h03
